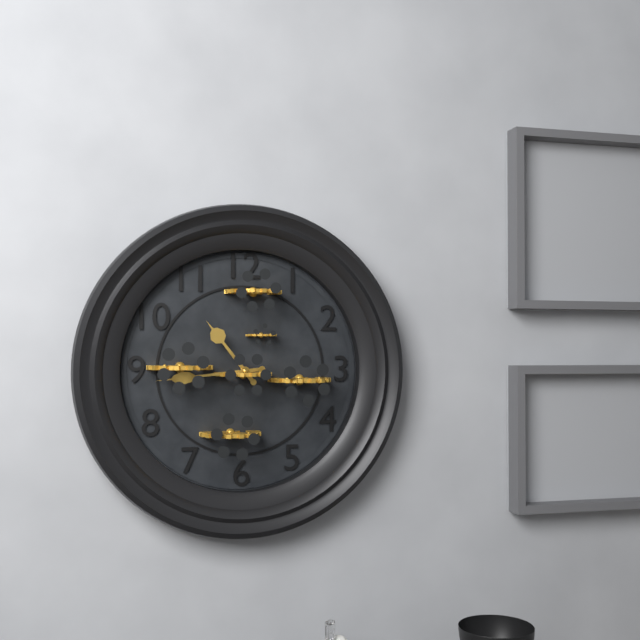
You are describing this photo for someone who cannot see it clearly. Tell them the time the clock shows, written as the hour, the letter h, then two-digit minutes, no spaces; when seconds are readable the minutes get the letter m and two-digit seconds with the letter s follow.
10h44
